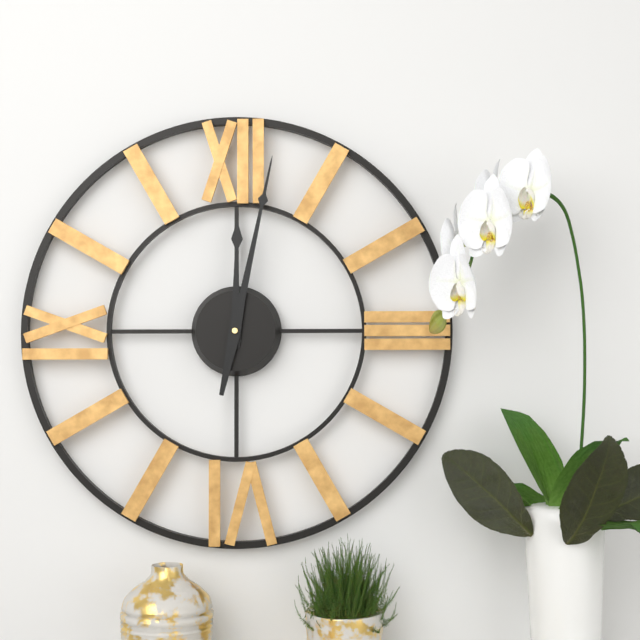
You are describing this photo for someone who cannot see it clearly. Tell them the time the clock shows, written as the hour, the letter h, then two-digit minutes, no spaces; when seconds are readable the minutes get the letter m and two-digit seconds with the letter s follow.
12h02
